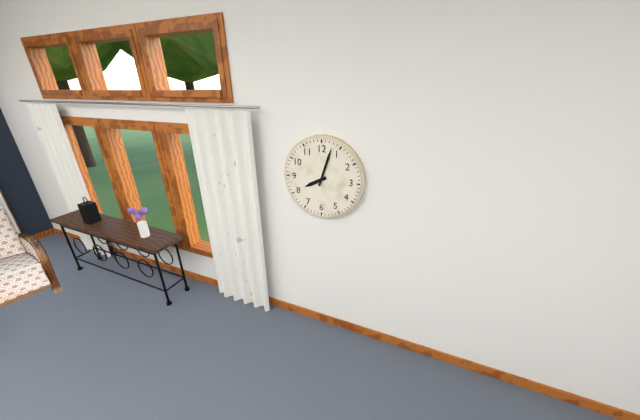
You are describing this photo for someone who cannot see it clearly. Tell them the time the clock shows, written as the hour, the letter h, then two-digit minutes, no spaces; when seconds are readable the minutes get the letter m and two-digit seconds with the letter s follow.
8h03
